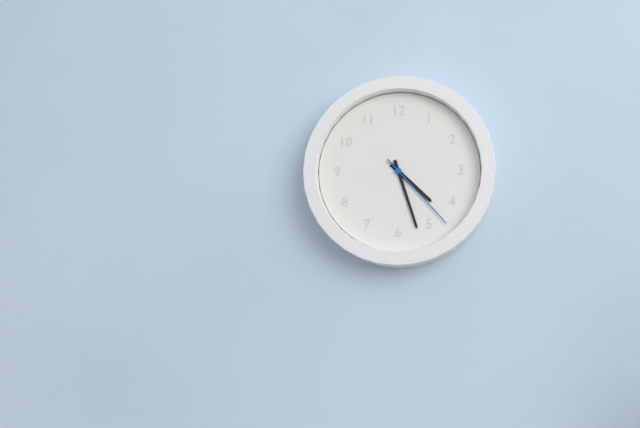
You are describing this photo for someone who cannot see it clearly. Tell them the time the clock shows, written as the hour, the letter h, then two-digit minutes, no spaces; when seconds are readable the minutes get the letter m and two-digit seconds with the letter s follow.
4h27m23s
